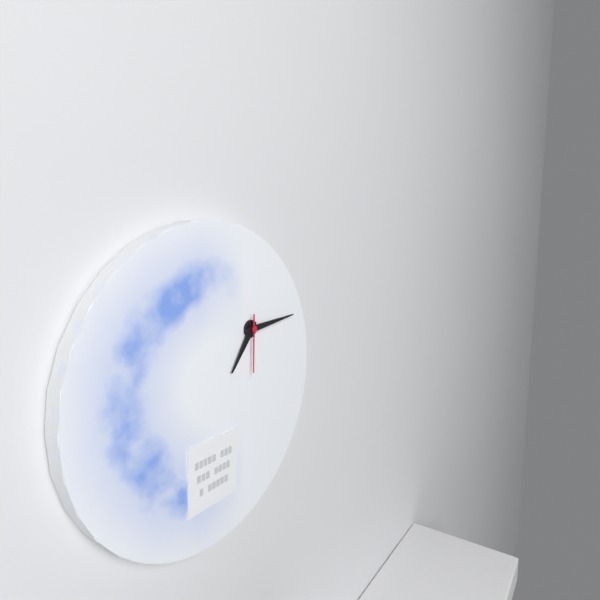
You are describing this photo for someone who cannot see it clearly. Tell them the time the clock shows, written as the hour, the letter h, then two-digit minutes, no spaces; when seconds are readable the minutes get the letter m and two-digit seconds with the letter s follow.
7h14m30s
